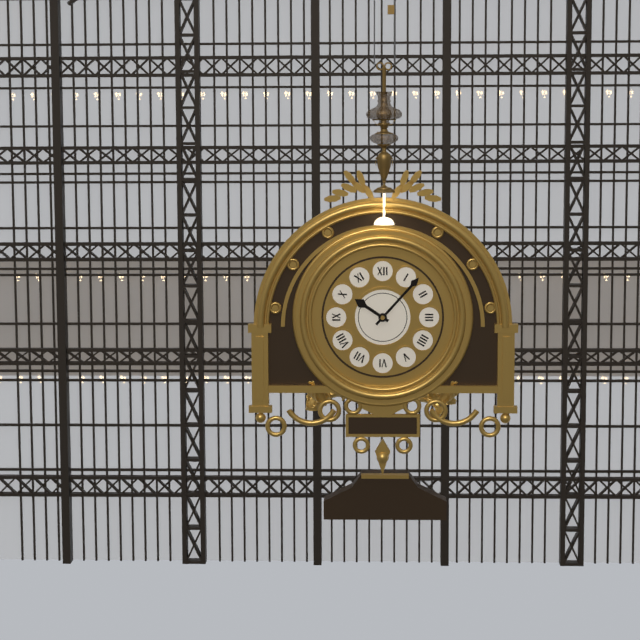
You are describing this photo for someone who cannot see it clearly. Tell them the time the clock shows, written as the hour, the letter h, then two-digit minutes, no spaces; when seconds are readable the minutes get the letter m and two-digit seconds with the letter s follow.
10h07
